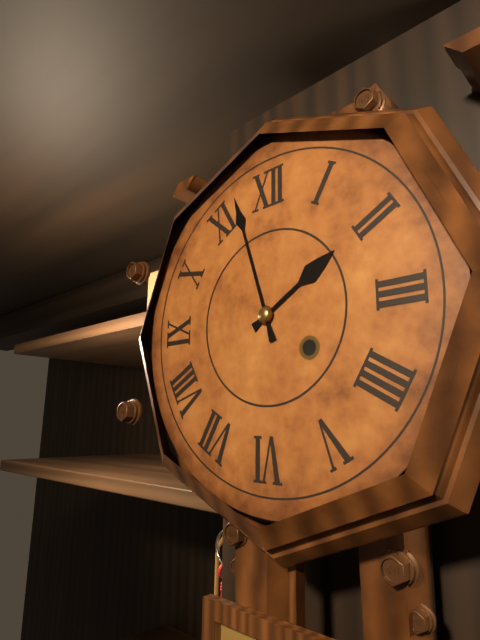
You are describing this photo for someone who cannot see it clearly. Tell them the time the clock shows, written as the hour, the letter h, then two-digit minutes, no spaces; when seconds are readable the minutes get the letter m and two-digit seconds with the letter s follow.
1h57
